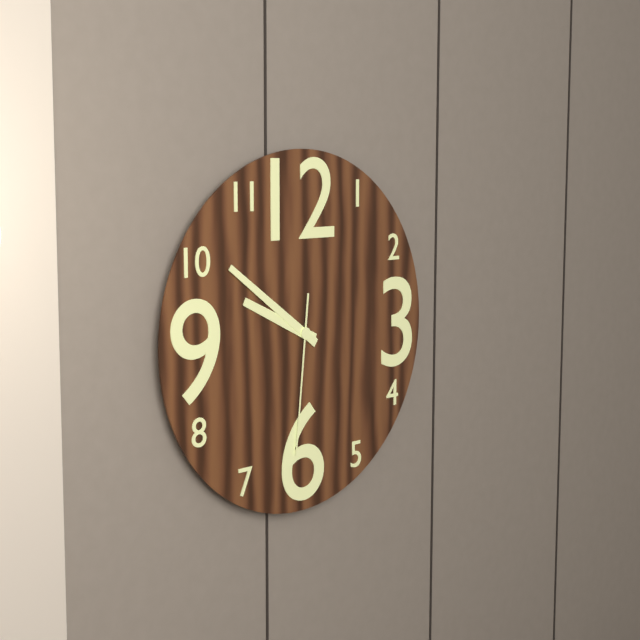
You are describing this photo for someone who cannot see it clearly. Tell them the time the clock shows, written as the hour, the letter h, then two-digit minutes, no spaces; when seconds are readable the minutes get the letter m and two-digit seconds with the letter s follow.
9h51m31s
